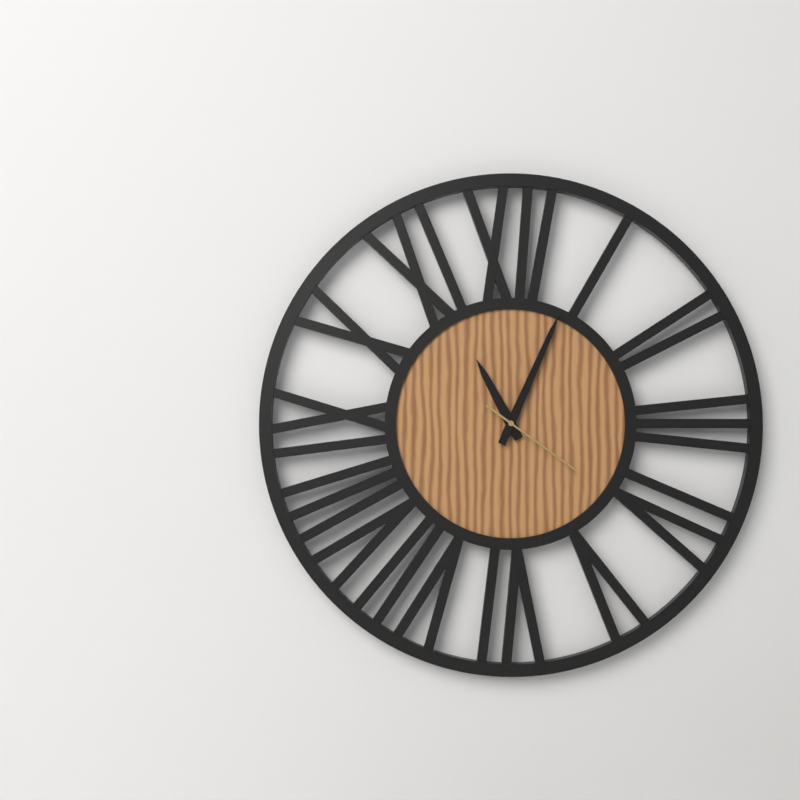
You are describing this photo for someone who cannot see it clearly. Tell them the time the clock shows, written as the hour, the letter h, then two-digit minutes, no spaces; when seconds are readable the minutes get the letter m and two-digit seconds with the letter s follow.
11h04m21s
